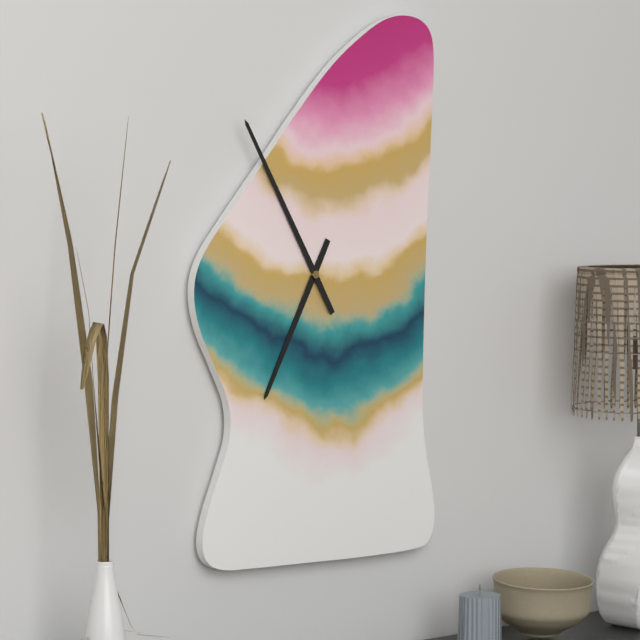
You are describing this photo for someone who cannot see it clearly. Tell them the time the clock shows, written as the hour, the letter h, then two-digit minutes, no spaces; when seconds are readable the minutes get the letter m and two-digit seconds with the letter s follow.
6h55
